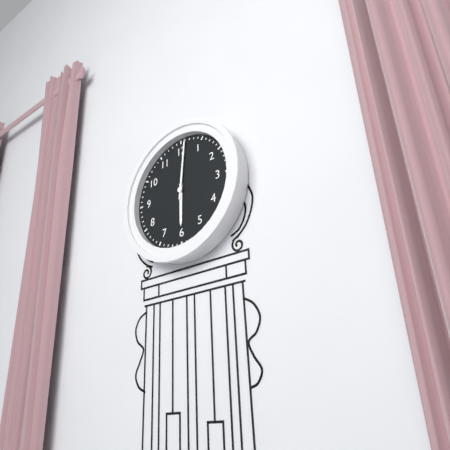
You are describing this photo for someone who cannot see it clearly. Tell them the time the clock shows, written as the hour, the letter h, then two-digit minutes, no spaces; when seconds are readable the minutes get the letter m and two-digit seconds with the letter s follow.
6h01
